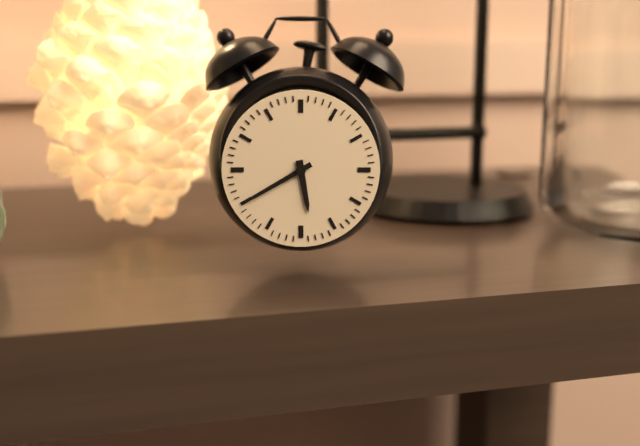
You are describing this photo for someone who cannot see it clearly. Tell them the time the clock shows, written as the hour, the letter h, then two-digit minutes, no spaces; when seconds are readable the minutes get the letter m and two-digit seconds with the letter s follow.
5h40
